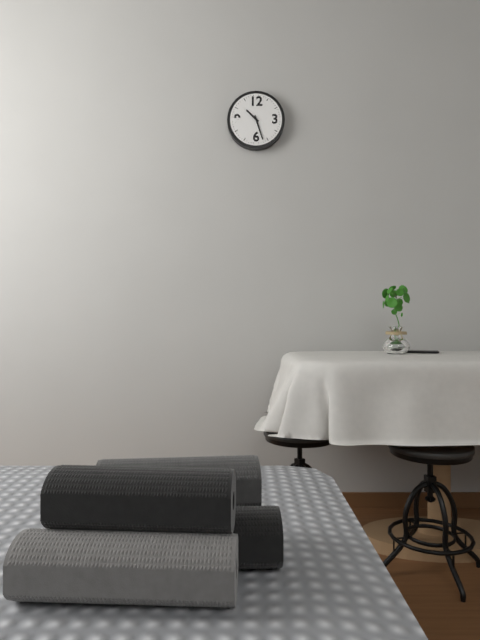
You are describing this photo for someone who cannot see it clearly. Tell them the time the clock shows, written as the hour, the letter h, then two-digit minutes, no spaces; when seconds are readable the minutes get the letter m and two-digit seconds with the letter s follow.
10h27
